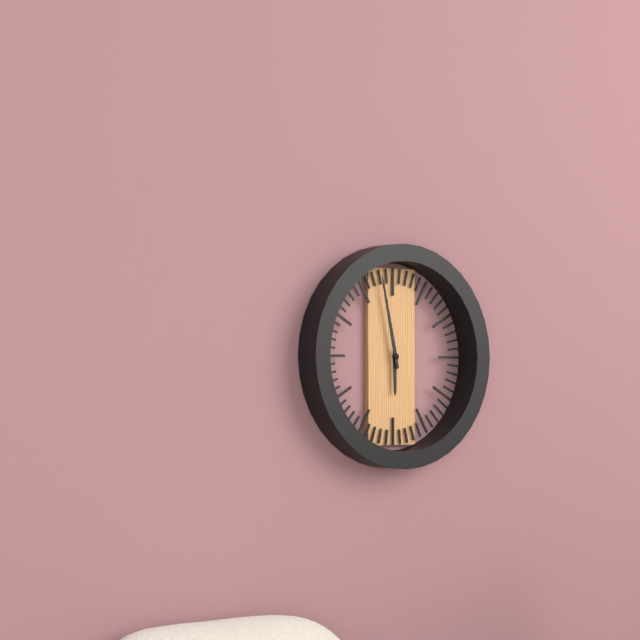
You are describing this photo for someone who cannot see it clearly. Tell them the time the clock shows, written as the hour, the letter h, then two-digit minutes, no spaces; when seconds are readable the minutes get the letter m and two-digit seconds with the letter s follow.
5h58
